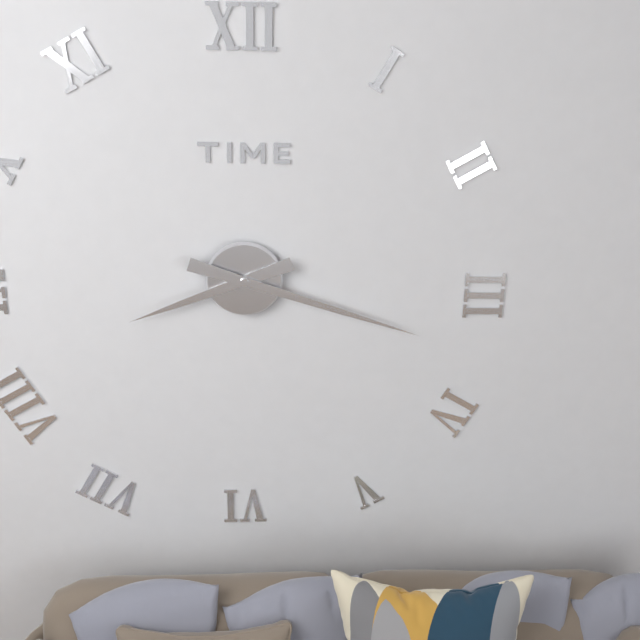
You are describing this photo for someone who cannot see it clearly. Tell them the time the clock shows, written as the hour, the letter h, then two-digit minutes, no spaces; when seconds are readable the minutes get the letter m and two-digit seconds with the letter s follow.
8h18
